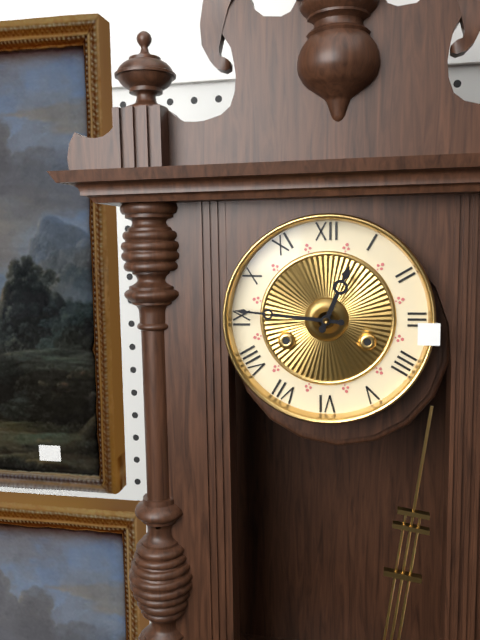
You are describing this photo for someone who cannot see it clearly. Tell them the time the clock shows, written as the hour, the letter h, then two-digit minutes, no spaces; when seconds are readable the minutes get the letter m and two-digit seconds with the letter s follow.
12h46
